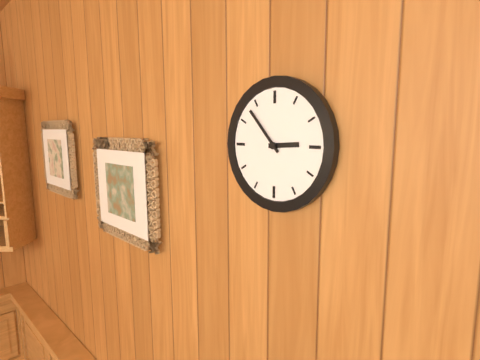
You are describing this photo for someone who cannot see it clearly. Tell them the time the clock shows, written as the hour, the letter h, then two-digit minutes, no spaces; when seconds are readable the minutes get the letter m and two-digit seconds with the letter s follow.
2h53
